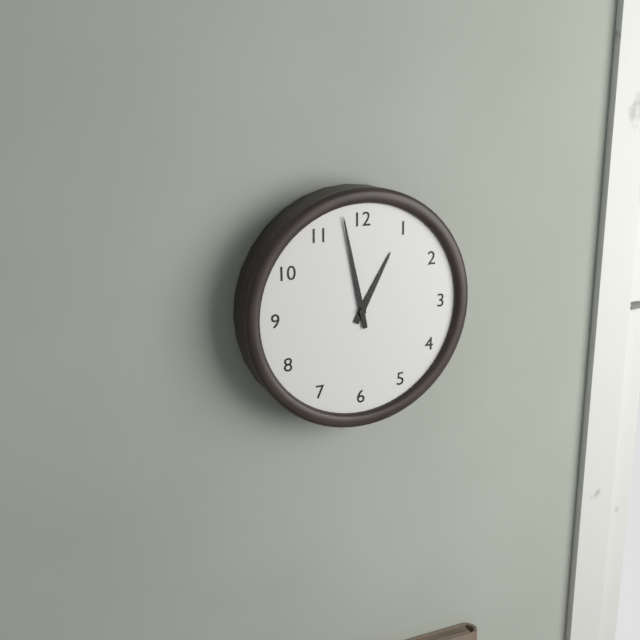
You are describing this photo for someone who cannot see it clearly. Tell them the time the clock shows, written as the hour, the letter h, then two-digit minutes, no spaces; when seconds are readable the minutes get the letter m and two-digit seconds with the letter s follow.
12h58
